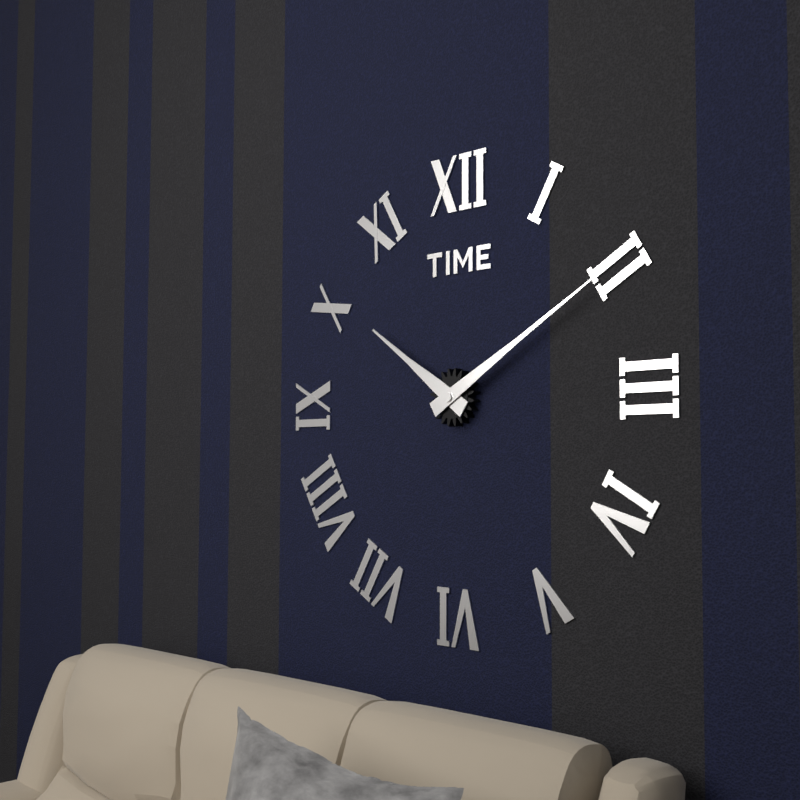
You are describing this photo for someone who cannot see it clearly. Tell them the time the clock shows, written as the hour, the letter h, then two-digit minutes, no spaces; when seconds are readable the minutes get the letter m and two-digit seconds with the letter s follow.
10h10
